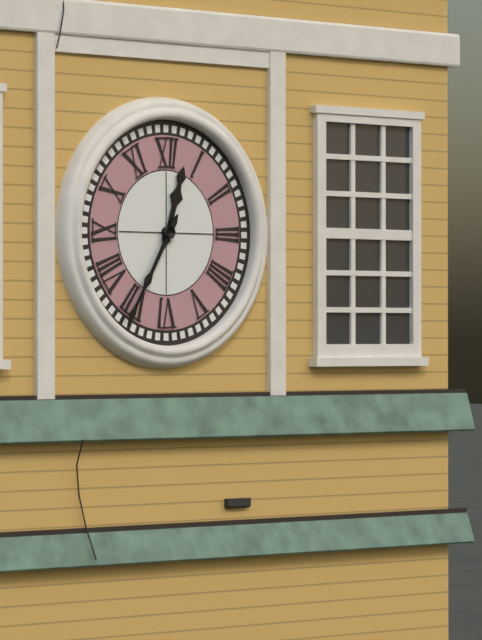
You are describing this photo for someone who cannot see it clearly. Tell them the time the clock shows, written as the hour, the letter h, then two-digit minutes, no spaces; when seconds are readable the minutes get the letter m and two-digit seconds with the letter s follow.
12h35
